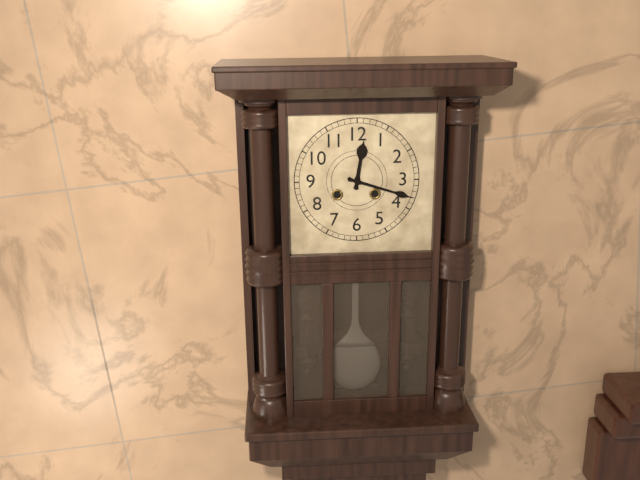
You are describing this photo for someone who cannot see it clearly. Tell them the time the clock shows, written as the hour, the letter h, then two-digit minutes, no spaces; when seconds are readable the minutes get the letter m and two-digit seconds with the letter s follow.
12h18
